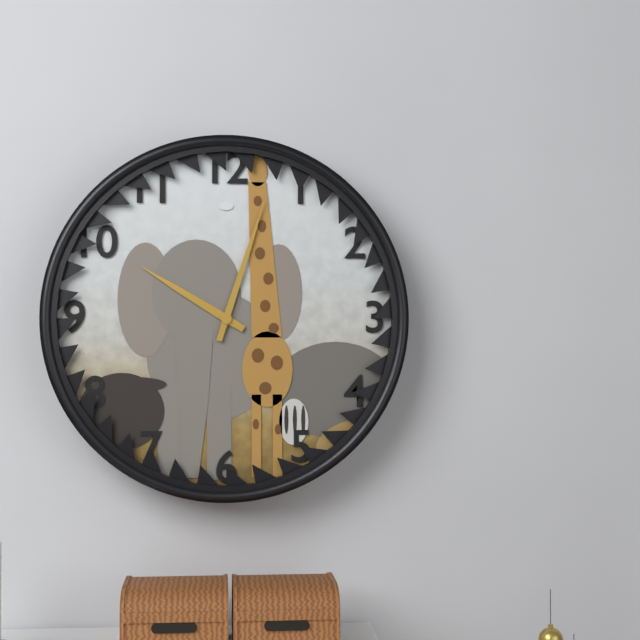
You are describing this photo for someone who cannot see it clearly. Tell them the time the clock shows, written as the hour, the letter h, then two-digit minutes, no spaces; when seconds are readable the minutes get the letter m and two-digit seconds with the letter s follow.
10h03
